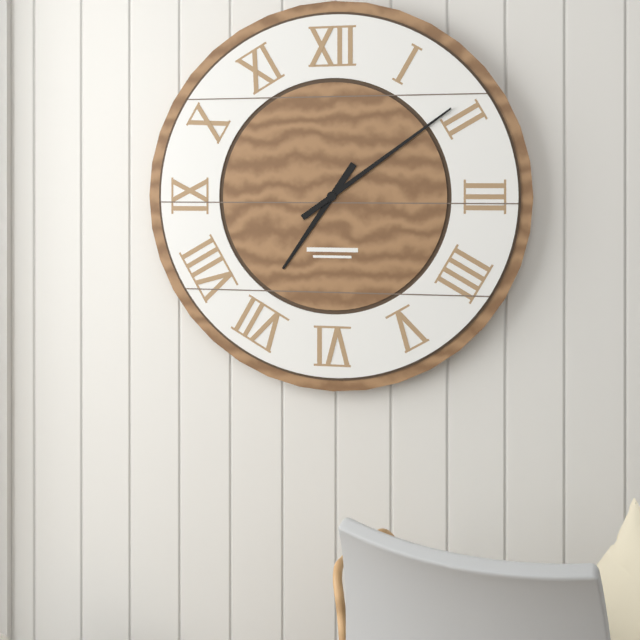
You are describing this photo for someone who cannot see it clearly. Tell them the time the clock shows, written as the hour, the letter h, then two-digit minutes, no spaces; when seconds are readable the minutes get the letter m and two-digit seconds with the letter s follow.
7h09
